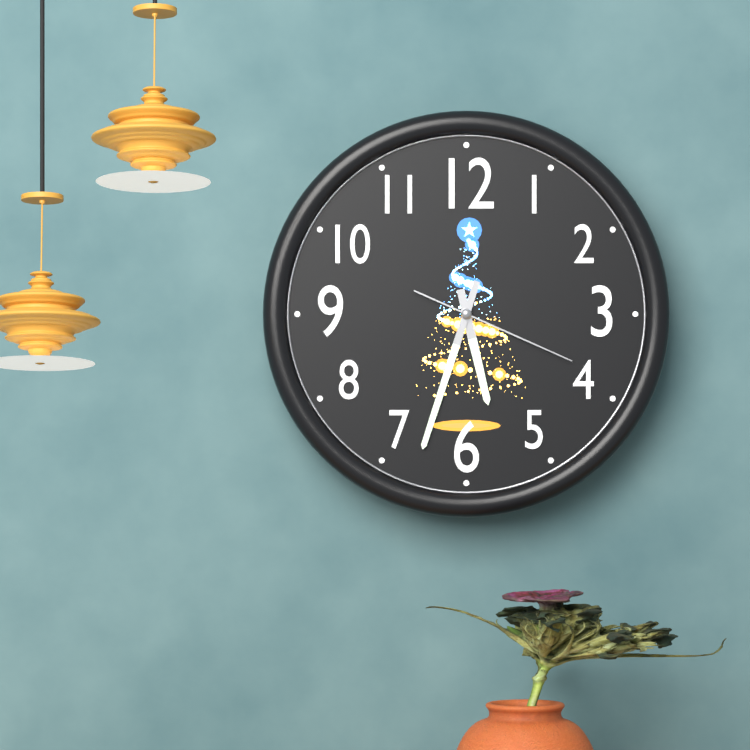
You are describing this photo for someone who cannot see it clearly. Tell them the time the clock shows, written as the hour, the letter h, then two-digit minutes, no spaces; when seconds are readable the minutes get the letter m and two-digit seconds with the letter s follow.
5h33m19s
